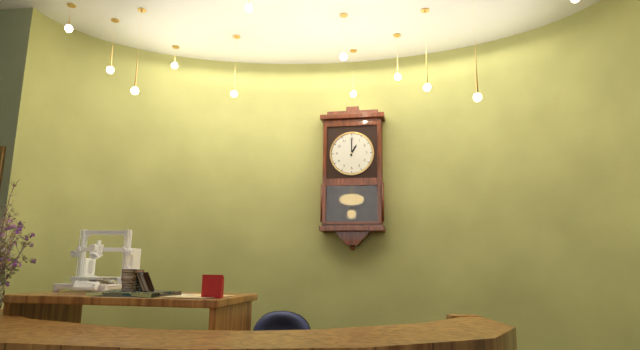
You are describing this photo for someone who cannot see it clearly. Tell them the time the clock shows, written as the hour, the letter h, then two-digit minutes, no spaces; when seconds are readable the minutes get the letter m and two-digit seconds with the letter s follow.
1h00
